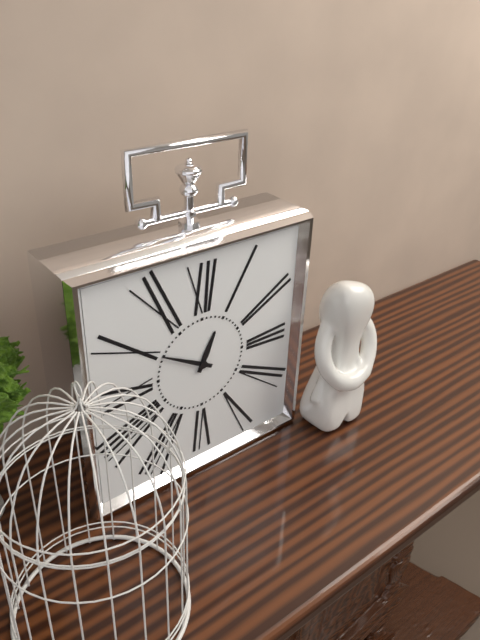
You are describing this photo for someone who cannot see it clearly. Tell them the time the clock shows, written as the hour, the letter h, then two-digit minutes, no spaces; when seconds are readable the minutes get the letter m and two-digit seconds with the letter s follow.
12h50
